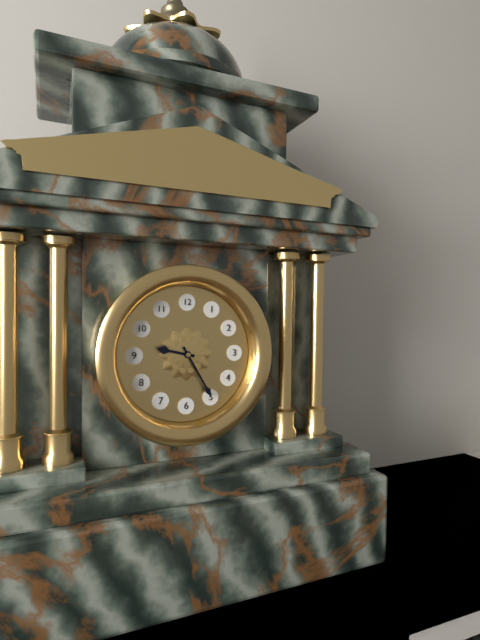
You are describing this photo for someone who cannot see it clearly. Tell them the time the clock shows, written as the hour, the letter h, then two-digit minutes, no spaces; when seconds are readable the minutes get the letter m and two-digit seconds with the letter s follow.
9h25
